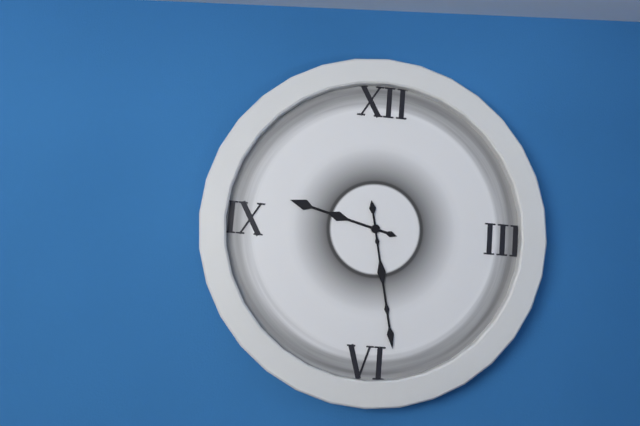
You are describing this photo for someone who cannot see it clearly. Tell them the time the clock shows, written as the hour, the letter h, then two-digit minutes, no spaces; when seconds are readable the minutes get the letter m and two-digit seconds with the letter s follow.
9h28
